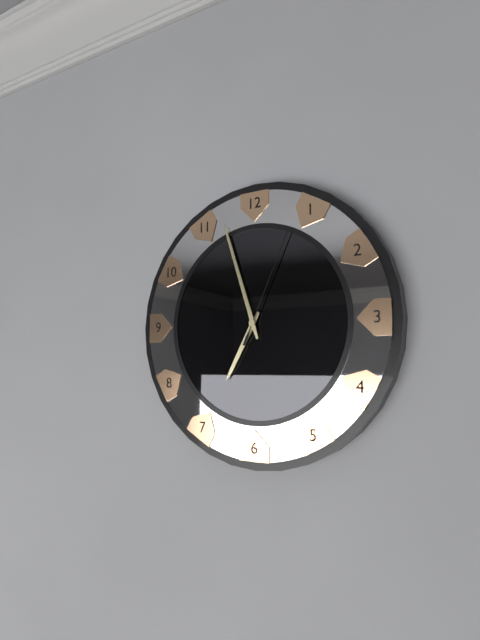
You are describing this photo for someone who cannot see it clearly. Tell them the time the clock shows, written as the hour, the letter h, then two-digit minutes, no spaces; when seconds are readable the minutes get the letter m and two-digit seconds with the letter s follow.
6h57m04s
